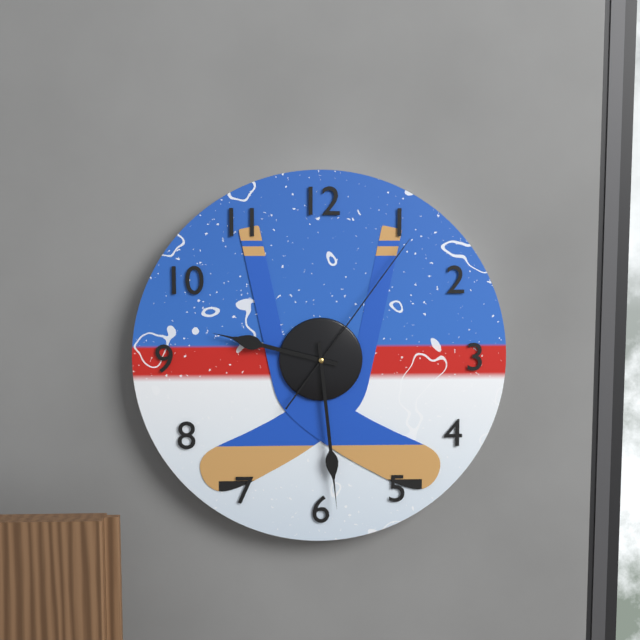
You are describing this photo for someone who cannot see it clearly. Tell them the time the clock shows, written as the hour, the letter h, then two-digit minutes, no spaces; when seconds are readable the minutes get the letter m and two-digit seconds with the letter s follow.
9h29m06s
